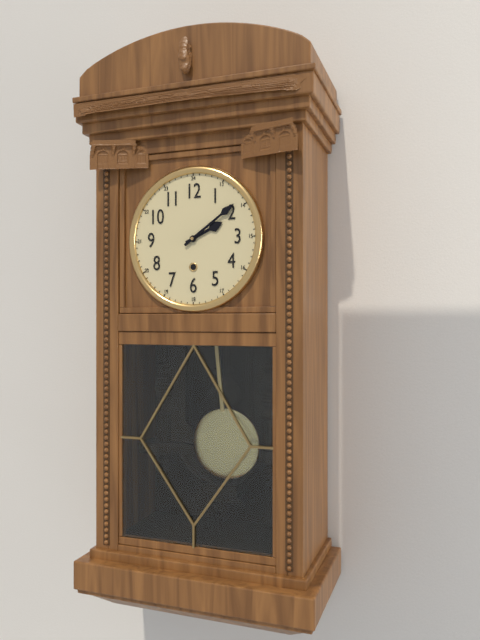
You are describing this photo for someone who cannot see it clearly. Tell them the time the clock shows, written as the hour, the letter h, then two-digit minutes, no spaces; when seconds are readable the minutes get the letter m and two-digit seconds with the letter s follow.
2h09
